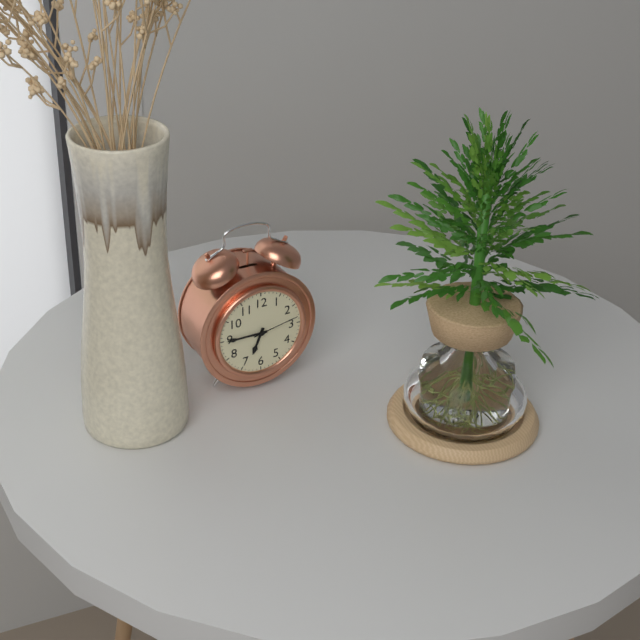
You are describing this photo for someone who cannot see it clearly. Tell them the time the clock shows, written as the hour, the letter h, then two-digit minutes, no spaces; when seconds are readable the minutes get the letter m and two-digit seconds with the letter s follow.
6h45m13s
